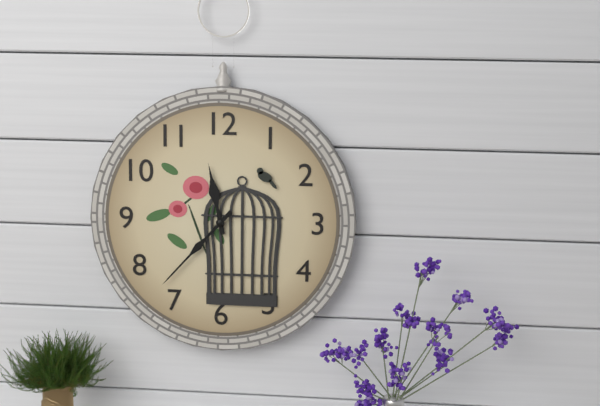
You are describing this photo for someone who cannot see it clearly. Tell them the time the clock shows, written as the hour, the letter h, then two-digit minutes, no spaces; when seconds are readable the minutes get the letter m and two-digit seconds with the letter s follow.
11h37
